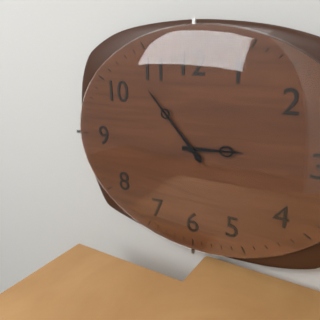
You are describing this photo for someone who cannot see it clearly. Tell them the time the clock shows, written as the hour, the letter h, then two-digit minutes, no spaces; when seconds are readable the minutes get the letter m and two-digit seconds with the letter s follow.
2h53
